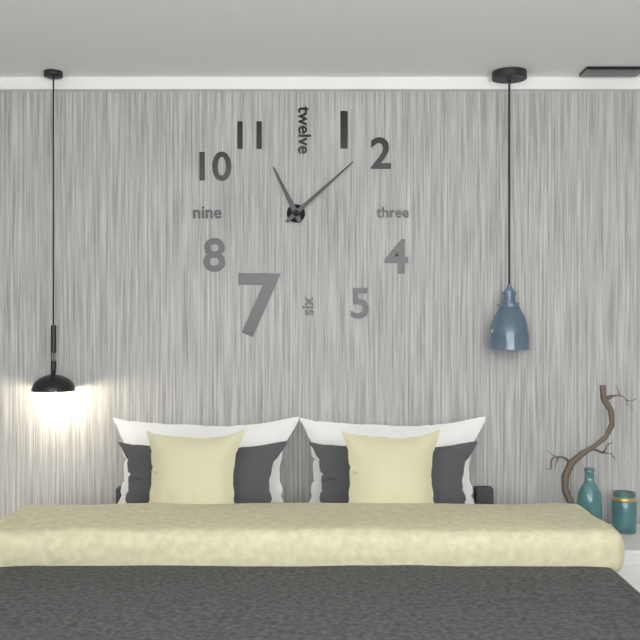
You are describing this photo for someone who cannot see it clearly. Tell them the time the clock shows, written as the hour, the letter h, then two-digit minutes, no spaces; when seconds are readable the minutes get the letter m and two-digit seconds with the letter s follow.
11h08
